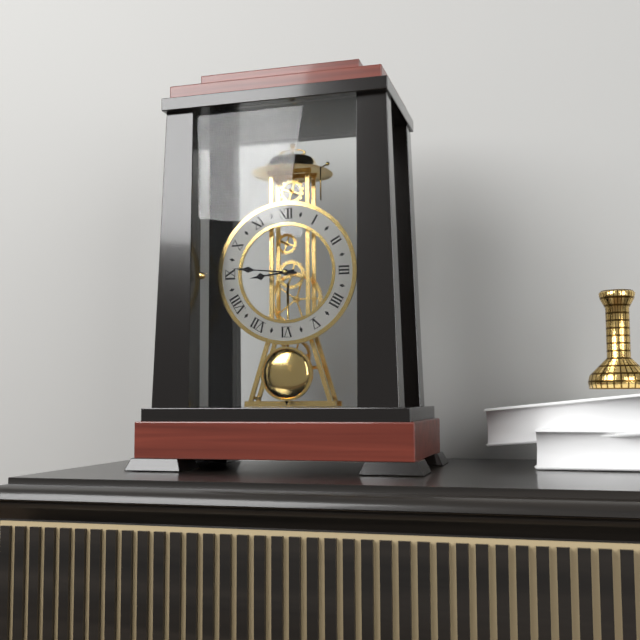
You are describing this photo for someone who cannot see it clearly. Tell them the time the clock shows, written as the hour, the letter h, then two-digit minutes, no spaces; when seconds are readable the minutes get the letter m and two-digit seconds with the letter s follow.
8h46
